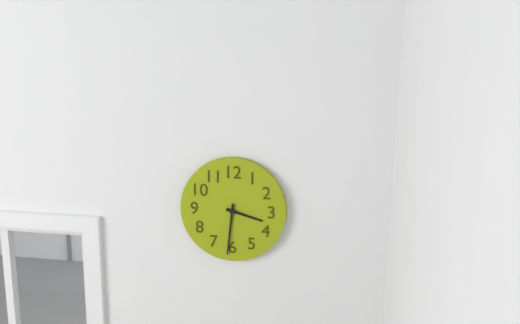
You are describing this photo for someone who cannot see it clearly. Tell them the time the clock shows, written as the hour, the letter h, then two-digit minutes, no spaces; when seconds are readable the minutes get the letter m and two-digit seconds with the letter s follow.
3h31
